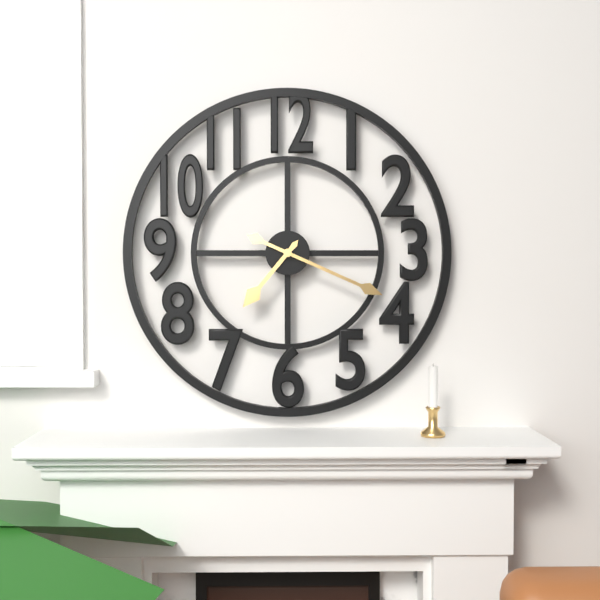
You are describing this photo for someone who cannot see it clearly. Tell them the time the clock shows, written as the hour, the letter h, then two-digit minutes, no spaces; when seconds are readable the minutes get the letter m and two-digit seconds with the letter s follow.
7h19
